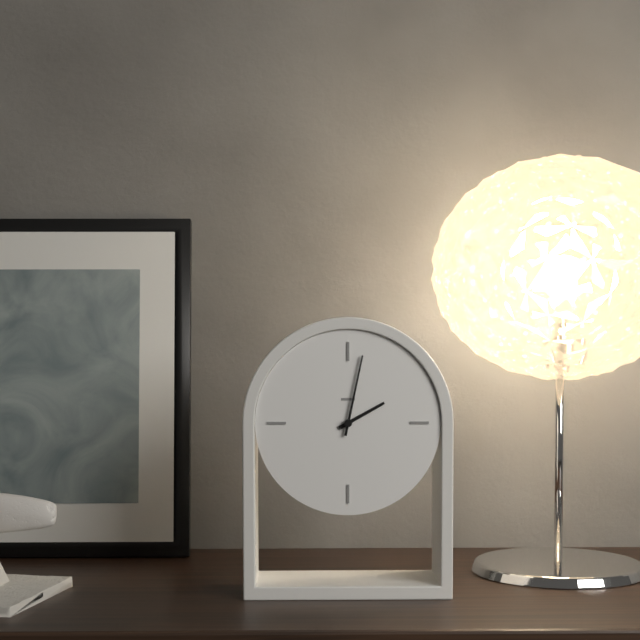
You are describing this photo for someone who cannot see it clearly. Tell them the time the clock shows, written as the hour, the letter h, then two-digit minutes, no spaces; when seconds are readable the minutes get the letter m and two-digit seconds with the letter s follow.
2h02
